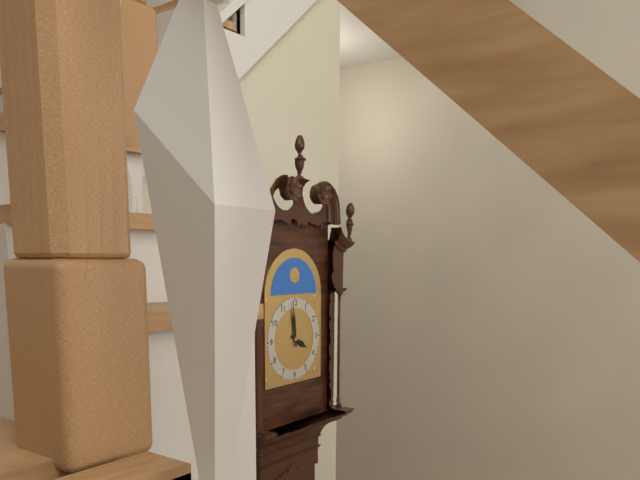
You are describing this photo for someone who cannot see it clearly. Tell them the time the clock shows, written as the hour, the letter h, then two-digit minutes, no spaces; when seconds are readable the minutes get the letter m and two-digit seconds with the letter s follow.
3h59
